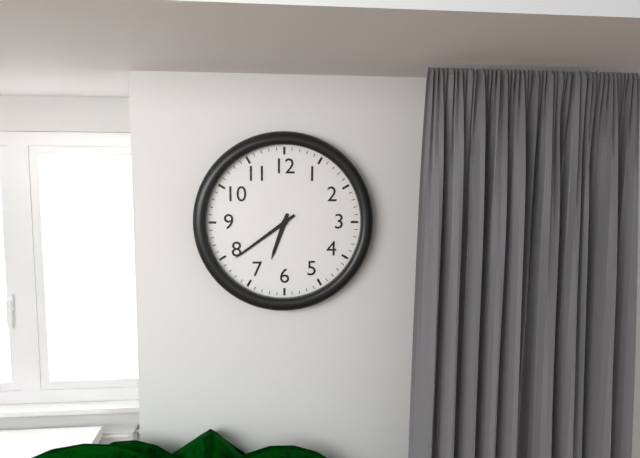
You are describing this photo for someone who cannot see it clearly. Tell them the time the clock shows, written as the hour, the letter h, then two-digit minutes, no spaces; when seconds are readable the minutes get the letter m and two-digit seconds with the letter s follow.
6h39
